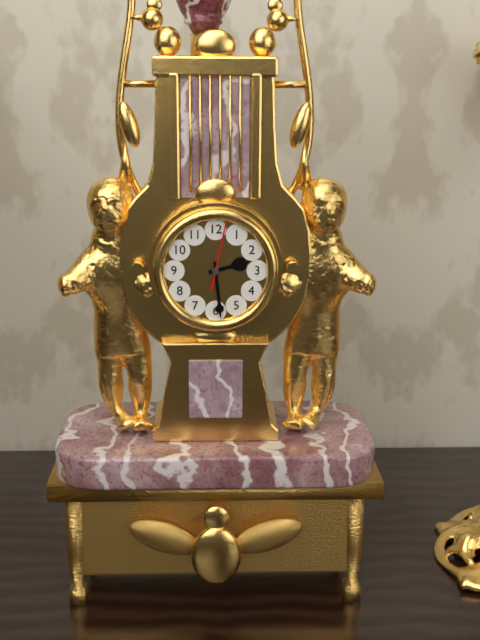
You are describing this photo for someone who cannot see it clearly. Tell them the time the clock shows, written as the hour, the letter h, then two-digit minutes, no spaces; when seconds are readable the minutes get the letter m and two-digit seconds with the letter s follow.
2h29m02s
